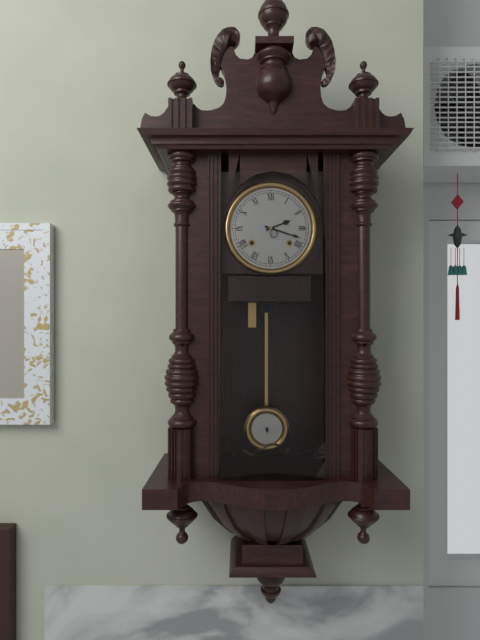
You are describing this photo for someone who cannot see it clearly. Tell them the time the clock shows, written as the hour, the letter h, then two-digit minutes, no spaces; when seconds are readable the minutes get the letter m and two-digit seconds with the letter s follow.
2h18
